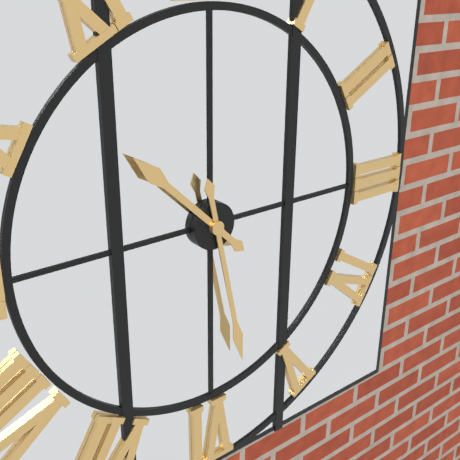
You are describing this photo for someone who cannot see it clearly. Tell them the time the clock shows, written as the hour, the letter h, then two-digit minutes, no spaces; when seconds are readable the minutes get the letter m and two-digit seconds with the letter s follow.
10h28
